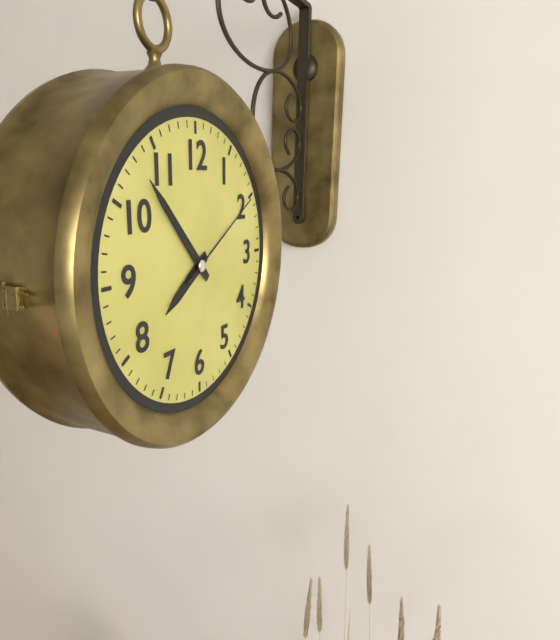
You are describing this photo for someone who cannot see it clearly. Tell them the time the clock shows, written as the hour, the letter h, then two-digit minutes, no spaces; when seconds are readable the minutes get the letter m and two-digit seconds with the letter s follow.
7h53m10s
